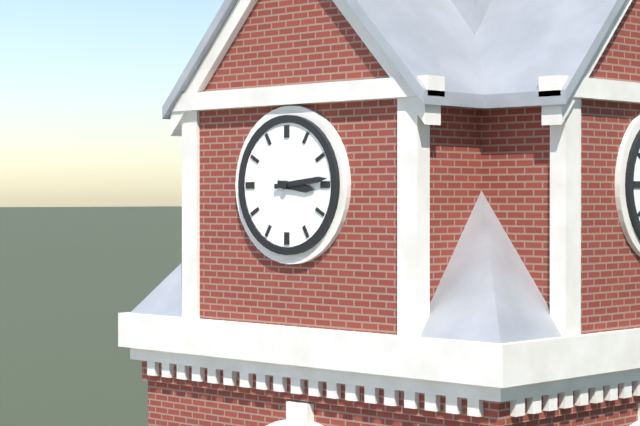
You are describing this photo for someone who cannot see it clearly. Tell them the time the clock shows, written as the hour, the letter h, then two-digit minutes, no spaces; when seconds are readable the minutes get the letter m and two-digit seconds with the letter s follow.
3h14
